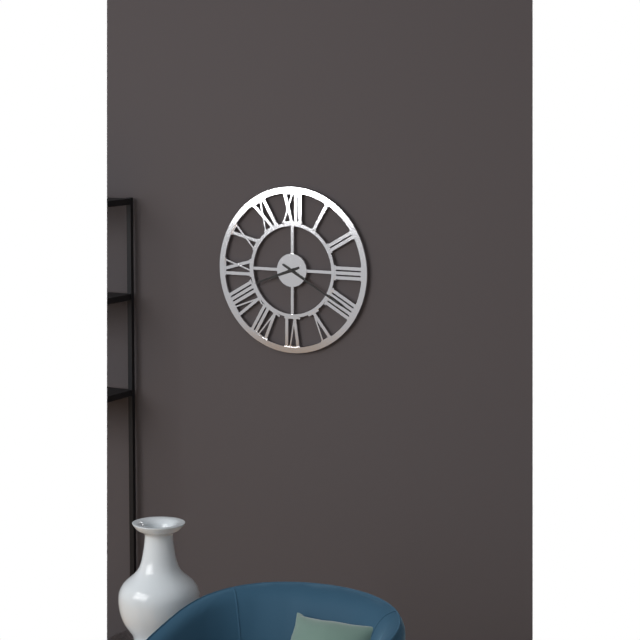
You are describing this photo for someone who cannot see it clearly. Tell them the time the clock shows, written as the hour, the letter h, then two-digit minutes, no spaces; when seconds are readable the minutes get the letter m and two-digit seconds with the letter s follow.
8h20
